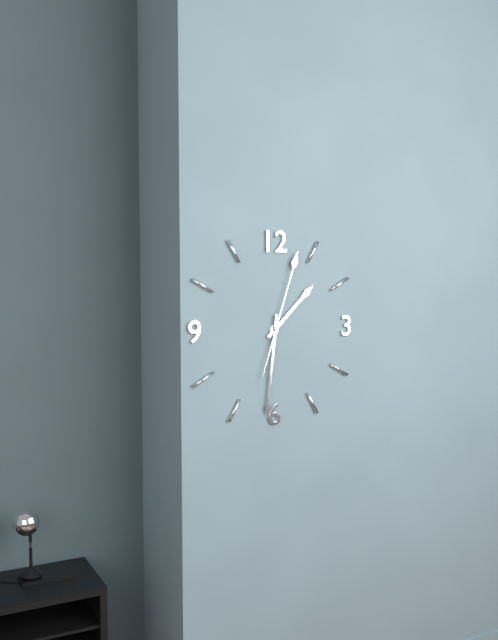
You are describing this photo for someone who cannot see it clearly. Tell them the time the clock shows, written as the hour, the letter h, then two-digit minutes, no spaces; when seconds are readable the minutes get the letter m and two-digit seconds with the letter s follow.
1h31m03s
